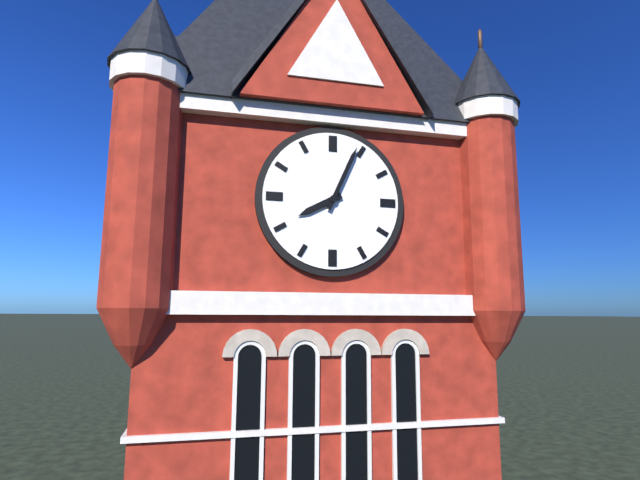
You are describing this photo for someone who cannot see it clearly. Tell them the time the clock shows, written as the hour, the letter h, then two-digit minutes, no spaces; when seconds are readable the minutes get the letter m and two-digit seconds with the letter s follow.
8h04
